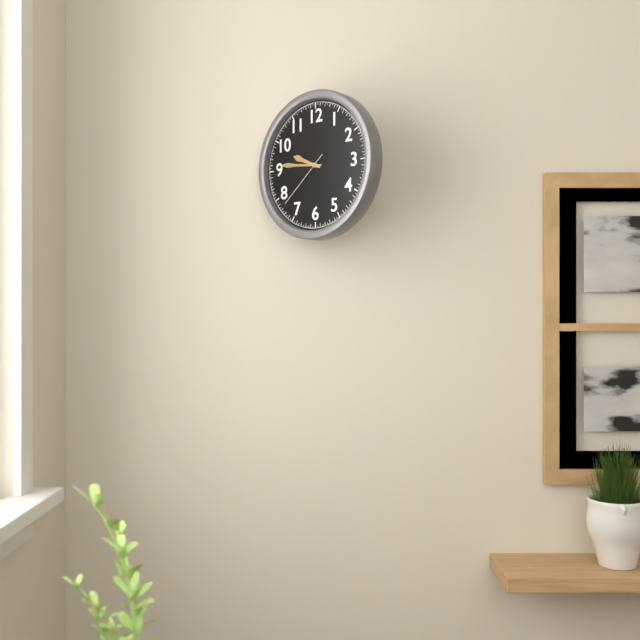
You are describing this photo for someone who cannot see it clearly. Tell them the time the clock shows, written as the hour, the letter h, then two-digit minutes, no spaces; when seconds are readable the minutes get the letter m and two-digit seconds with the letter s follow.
9h46m38s
